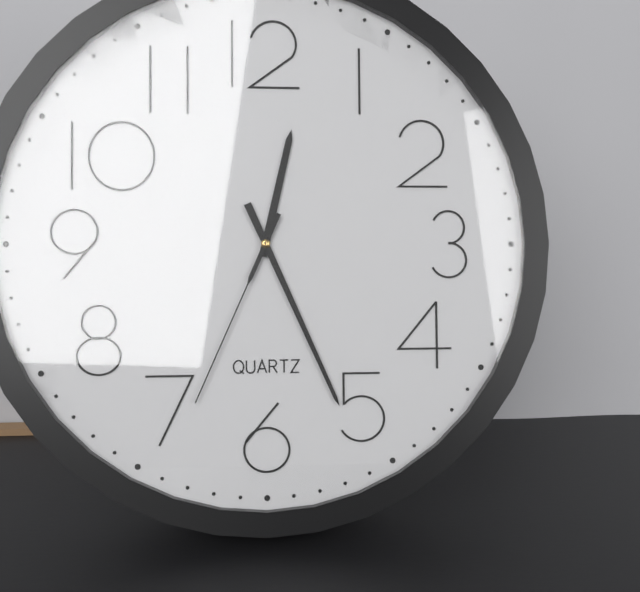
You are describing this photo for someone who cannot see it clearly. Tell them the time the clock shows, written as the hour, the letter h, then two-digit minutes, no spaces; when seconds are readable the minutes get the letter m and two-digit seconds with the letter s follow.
12h26m34s
